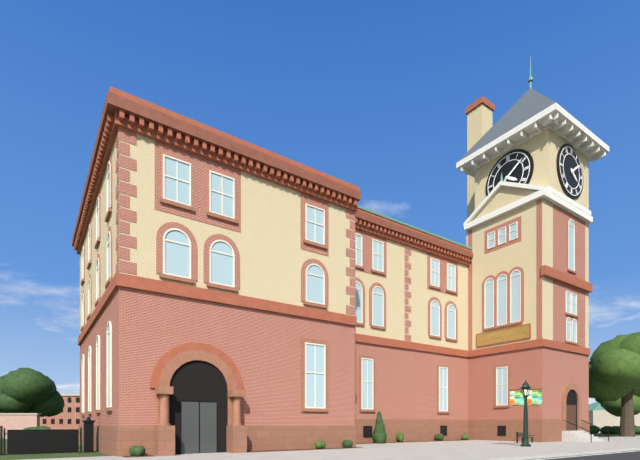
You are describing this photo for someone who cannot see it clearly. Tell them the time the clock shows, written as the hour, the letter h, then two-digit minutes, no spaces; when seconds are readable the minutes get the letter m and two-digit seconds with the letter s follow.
4h09
